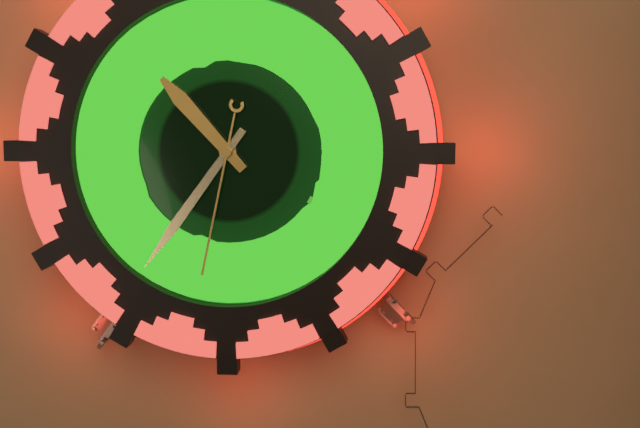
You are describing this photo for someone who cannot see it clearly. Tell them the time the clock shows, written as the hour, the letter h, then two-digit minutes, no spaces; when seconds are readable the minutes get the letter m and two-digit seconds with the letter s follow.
10h36m32s
